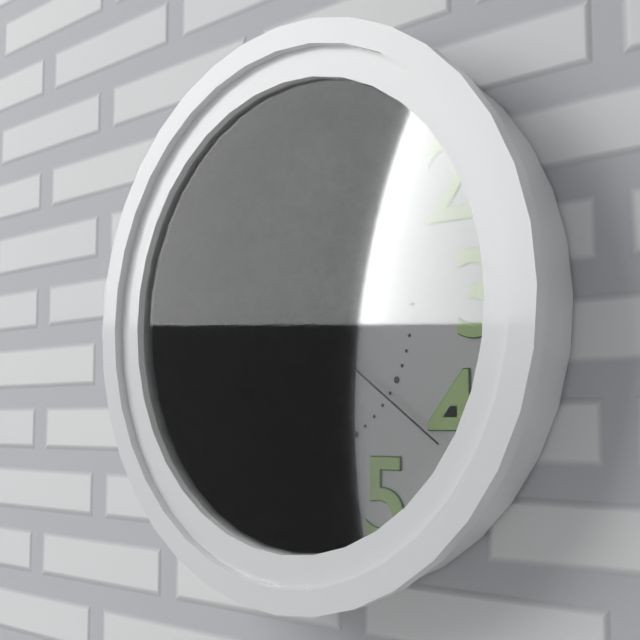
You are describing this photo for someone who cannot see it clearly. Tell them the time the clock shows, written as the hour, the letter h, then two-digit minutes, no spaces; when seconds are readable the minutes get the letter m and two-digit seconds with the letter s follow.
12h41m21s
